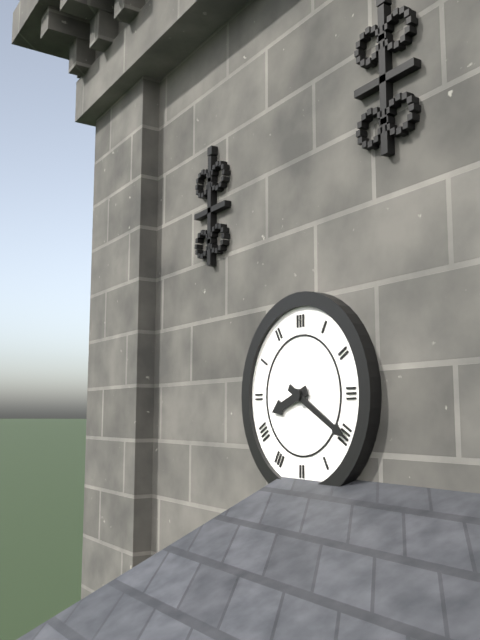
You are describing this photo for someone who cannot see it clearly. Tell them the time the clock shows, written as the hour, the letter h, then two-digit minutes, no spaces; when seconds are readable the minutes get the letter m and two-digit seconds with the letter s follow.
8h20
